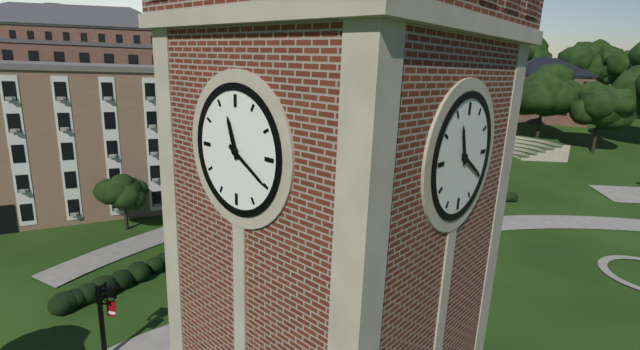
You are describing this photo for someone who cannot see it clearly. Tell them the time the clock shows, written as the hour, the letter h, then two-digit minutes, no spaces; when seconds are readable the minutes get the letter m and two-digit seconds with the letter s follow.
11h20
